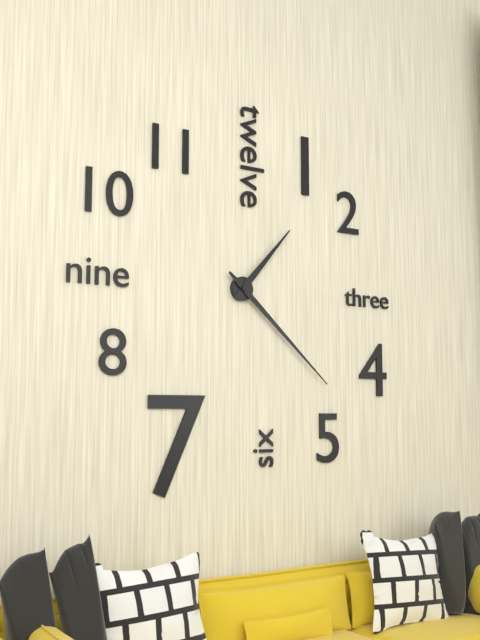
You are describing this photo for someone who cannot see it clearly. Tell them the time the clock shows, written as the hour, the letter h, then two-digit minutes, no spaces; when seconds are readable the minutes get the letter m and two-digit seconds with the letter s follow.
1h22
